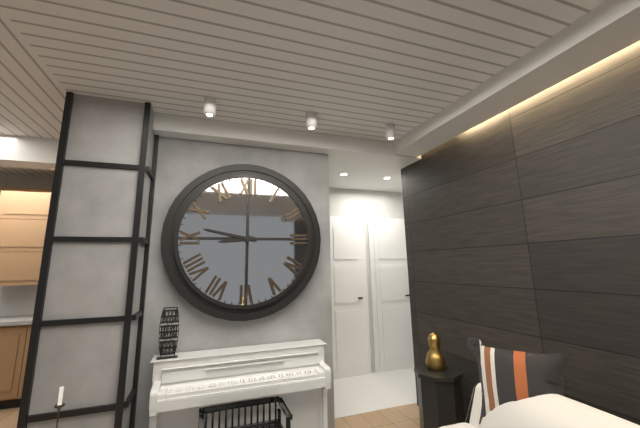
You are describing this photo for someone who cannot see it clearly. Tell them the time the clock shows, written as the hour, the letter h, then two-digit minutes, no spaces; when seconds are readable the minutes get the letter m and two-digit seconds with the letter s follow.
8h47
